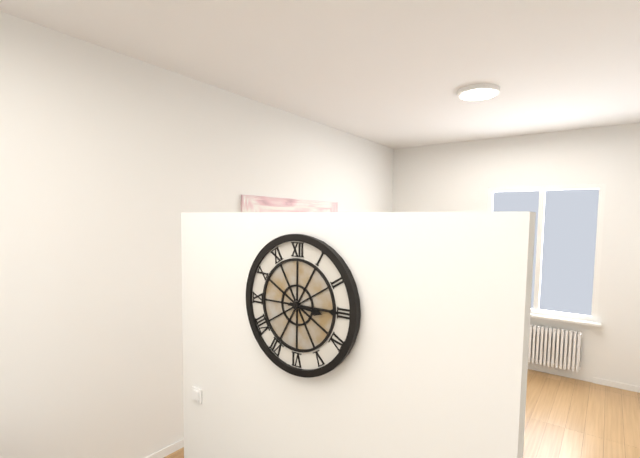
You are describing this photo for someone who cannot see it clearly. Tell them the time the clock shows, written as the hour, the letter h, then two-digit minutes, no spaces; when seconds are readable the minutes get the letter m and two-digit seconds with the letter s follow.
3h15
